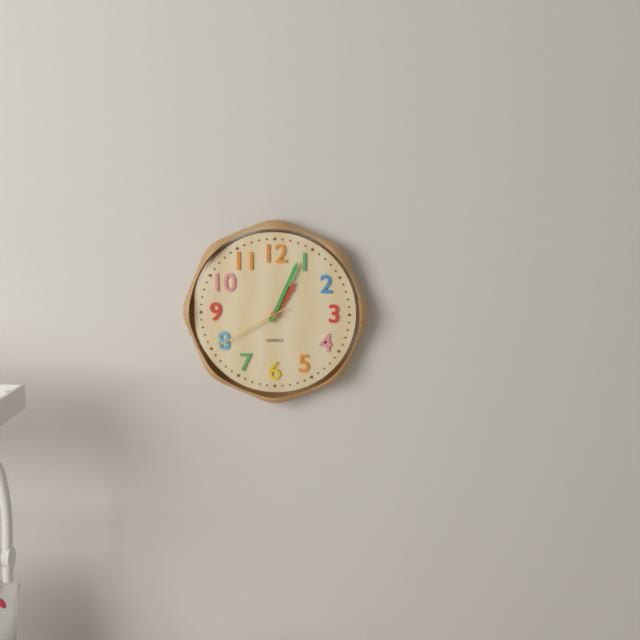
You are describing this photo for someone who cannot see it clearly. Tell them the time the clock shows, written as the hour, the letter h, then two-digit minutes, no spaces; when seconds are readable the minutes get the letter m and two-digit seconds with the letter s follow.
1h04m40s
